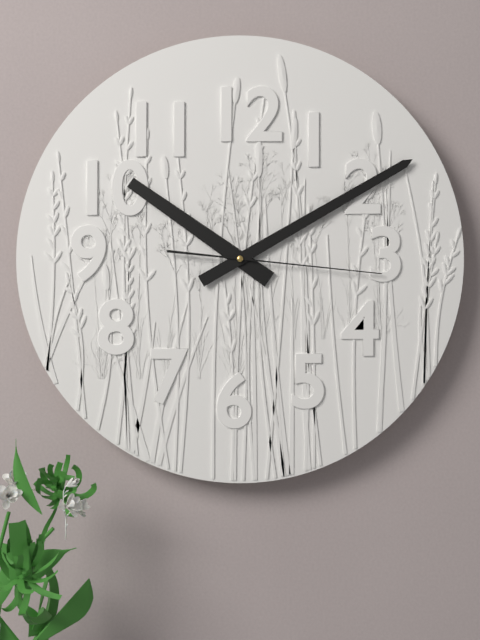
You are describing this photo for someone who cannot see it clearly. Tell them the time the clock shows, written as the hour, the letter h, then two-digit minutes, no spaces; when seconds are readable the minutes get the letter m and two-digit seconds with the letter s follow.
10h10m16s
